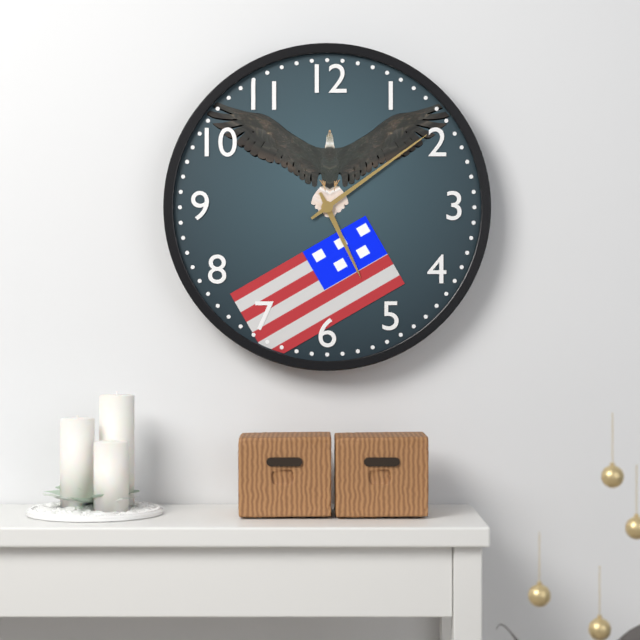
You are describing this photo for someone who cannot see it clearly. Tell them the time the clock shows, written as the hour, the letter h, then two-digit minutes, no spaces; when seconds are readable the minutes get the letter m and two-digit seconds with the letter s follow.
5h09
